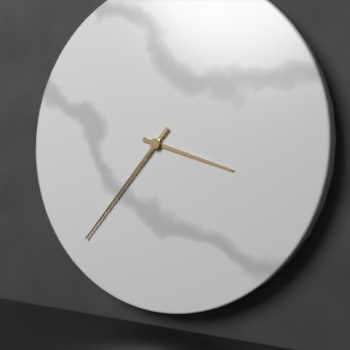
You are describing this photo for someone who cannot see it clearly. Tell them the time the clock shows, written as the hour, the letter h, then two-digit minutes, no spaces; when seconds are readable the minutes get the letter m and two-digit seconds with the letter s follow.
3h37
